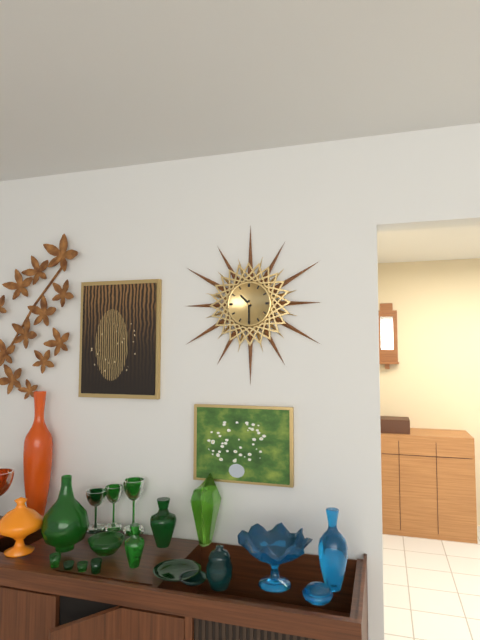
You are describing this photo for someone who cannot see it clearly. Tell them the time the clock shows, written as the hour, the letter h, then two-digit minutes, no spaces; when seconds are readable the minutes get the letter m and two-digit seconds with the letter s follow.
10h30
